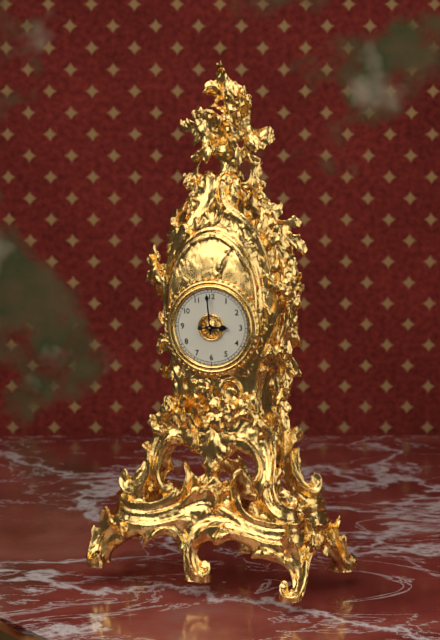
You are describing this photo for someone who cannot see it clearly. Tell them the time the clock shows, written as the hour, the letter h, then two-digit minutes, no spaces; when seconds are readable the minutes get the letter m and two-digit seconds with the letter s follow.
2h59
